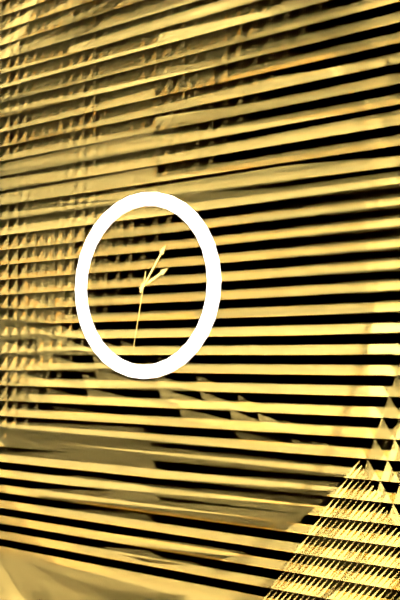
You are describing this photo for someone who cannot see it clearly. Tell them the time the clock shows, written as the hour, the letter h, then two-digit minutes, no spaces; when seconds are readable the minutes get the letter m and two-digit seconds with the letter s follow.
2h06m32s
